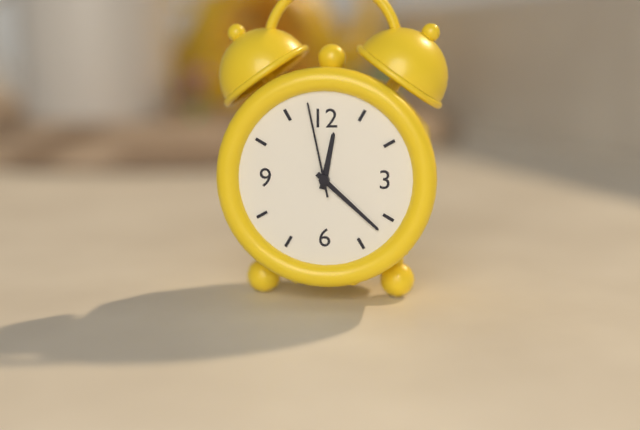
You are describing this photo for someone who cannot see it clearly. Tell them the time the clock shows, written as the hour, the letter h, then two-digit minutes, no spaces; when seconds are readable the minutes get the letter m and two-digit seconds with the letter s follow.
12h22m58s
